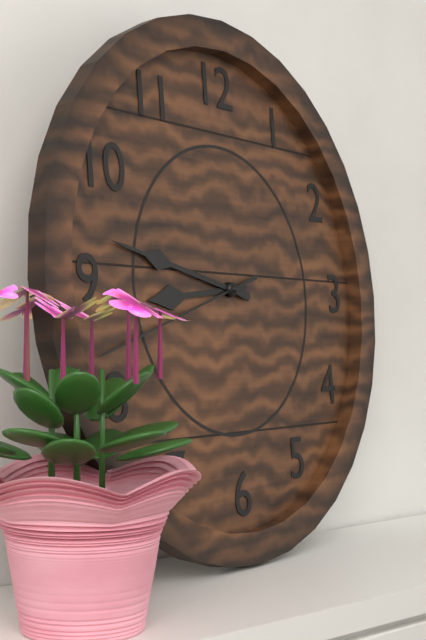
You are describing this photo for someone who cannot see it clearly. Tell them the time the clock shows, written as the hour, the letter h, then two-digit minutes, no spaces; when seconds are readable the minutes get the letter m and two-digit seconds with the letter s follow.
8h47m42s
